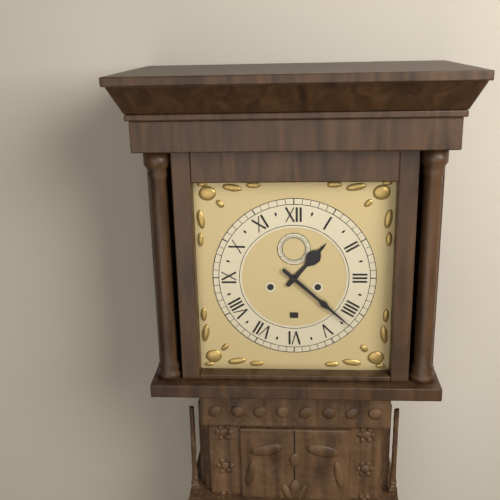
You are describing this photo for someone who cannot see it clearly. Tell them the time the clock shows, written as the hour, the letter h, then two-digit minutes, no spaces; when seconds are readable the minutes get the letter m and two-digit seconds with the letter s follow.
1h22
